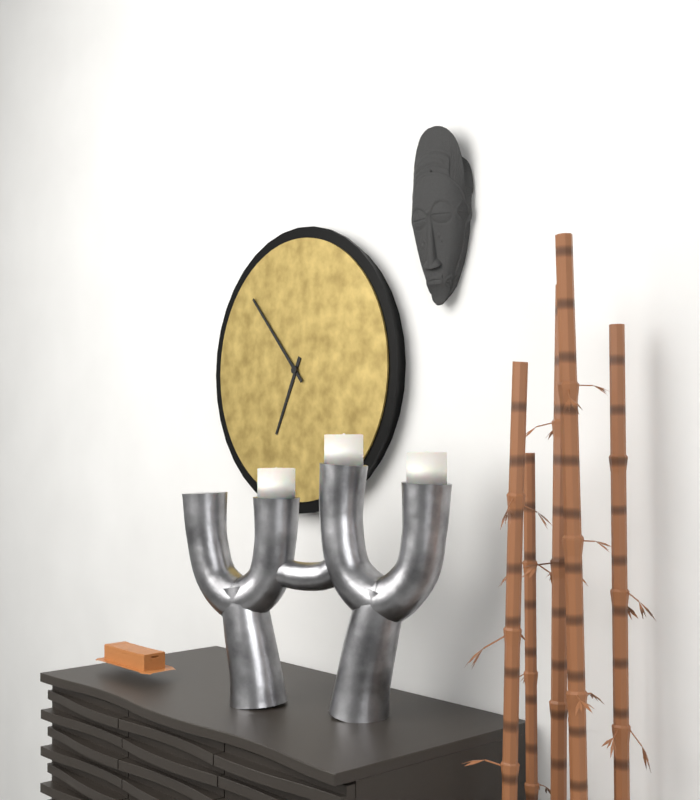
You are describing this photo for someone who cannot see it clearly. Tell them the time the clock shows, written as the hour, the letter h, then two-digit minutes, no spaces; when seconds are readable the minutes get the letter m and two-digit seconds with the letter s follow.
6h53
